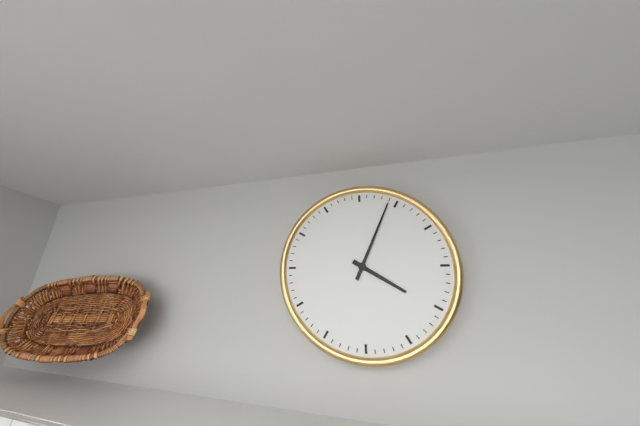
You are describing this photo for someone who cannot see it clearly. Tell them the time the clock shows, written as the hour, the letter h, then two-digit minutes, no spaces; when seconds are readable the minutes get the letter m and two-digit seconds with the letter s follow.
4h04
